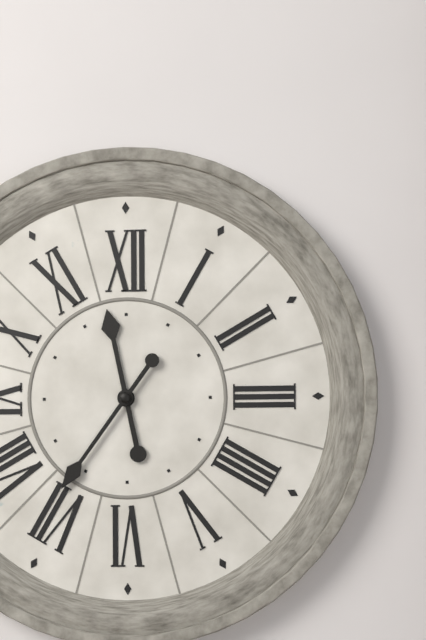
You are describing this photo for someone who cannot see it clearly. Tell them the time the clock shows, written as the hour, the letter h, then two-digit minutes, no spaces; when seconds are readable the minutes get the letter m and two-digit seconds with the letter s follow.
11h36
